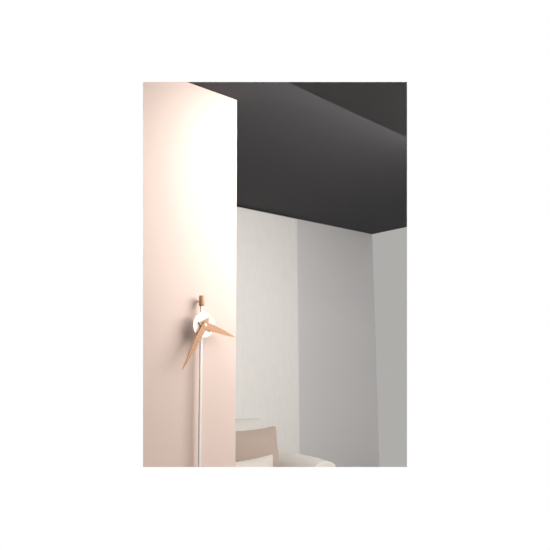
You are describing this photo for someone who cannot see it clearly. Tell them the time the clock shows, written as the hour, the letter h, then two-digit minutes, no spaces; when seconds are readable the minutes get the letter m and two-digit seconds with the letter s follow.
3h35
